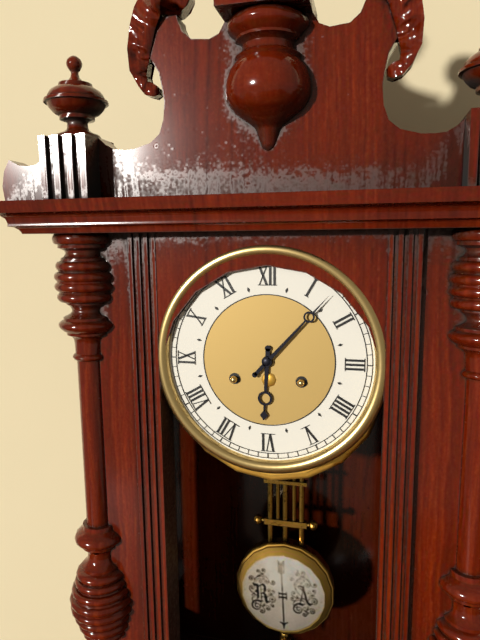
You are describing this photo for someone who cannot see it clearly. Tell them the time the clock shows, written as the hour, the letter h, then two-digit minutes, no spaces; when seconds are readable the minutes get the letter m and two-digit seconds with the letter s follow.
6h07
